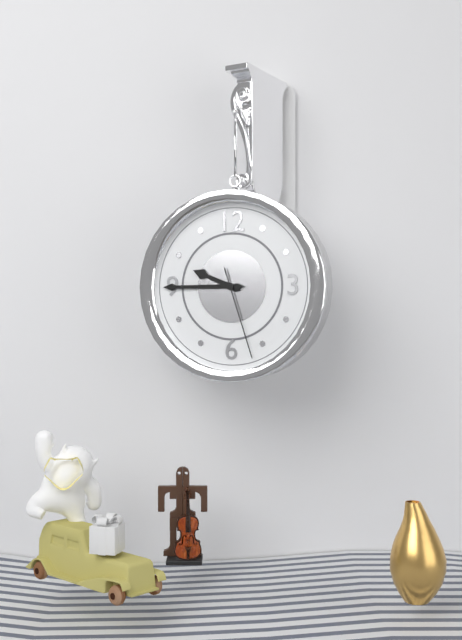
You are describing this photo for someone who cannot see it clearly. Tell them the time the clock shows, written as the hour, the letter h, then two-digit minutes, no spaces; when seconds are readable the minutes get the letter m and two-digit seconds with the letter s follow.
9h45m27s
